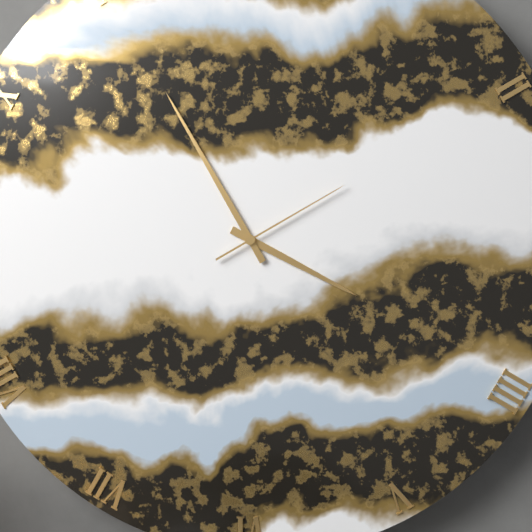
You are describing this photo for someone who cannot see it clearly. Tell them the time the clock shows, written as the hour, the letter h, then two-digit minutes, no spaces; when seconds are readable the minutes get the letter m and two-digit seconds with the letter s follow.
3h55m10s
